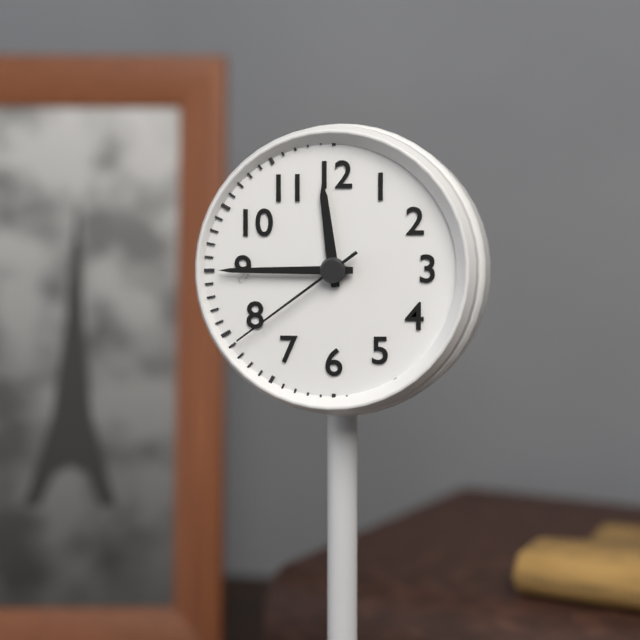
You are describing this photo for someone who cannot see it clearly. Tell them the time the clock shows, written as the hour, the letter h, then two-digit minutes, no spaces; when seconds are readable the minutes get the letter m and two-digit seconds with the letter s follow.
11h45m39s
